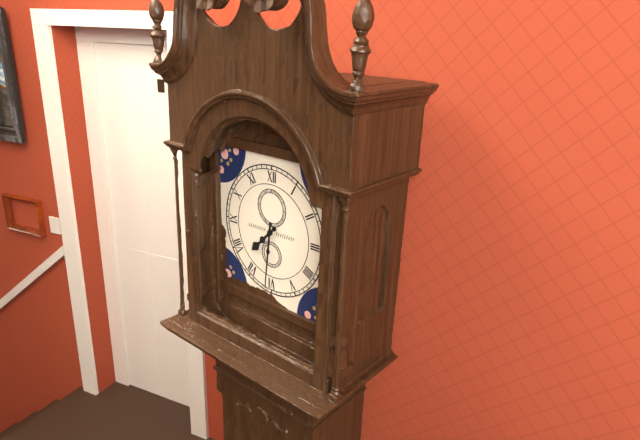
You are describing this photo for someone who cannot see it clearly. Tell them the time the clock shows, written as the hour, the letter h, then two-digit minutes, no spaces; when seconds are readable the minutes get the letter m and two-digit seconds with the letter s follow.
7h31
